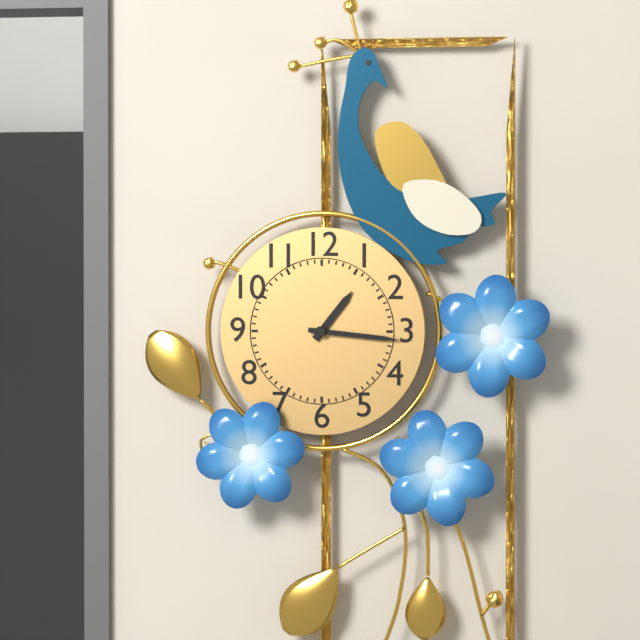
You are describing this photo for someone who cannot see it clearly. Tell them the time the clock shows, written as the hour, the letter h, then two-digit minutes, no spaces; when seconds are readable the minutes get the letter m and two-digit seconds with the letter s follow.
1h16
